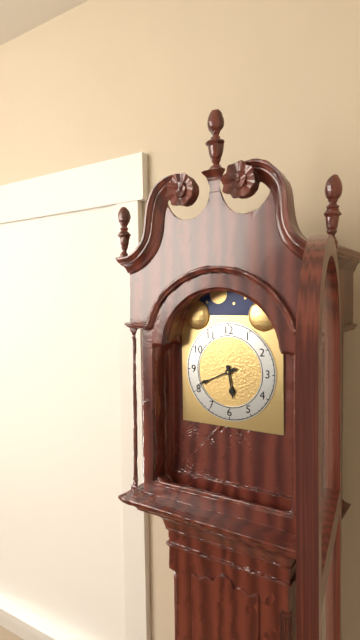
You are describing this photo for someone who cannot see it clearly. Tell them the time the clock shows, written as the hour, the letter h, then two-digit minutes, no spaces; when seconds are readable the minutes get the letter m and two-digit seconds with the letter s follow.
5h41
